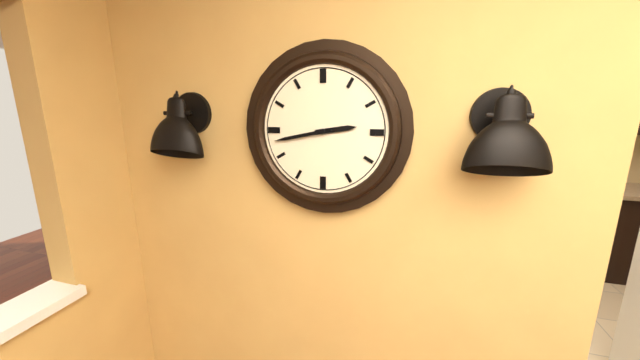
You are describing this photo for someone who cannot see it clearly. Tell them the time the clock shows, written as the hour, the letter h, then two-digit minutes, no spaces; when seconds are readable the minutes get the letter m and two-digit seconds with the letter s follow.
2h43
